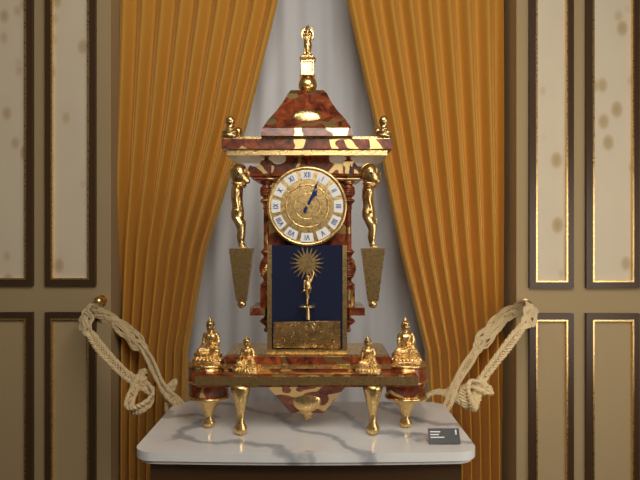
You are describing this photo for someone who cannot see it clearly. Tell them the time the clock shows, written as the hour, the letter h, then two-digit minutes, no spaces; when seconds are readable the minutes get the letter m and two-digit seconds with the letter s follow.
1h04
